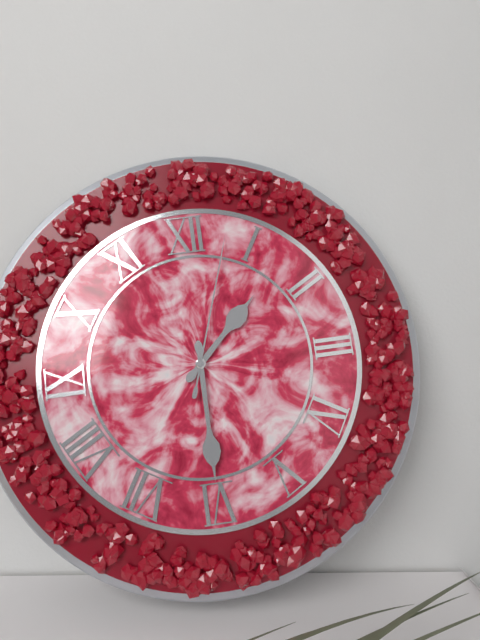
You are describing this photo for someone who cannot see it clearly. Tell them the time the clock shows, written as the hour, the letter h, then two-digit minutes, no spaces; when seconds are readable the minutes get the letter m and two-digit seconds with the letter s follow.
1h30m03s
